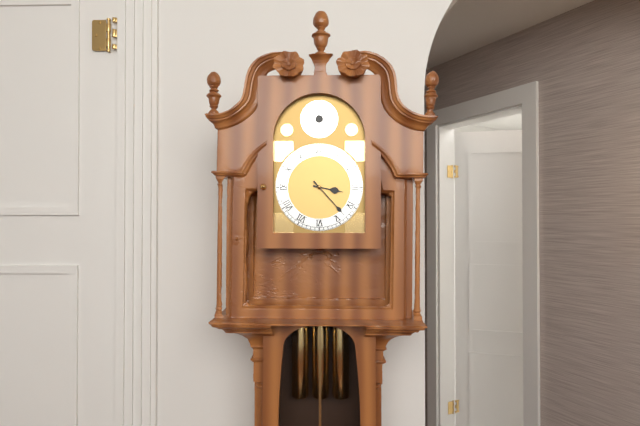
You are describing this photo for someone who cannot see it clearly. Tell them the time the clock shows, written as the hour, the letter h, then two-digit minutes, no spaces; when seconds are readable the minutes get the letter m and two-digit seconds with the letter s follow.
3h23
